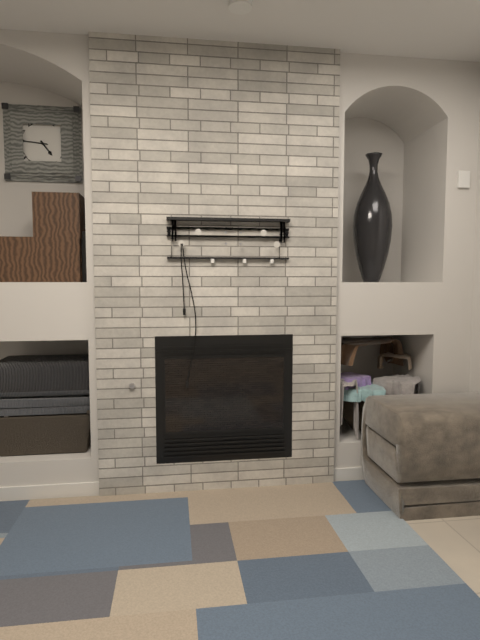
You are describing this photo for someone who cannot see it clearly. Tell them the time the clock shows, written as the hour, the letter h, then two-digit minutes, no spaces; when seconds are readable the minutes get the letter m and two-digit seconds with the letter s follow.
4h46
